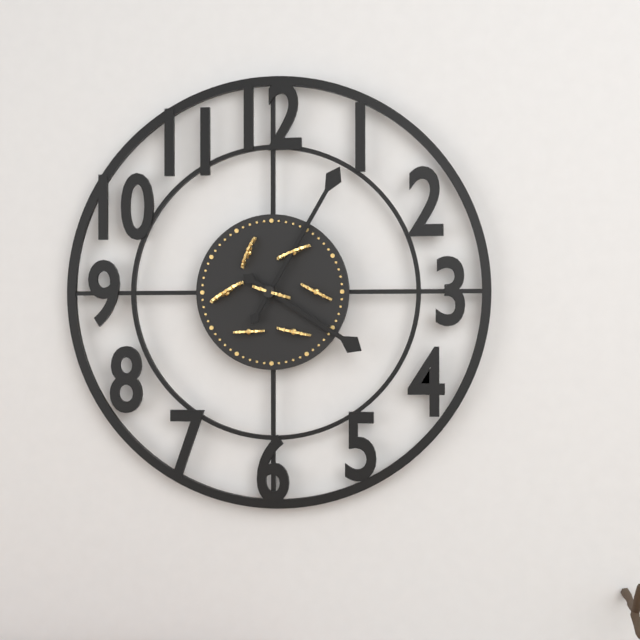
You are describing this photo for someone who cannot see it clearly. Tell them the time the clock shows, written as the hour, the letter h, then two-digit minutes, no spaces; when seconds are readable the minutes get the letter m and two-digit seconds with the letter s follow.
4h05
